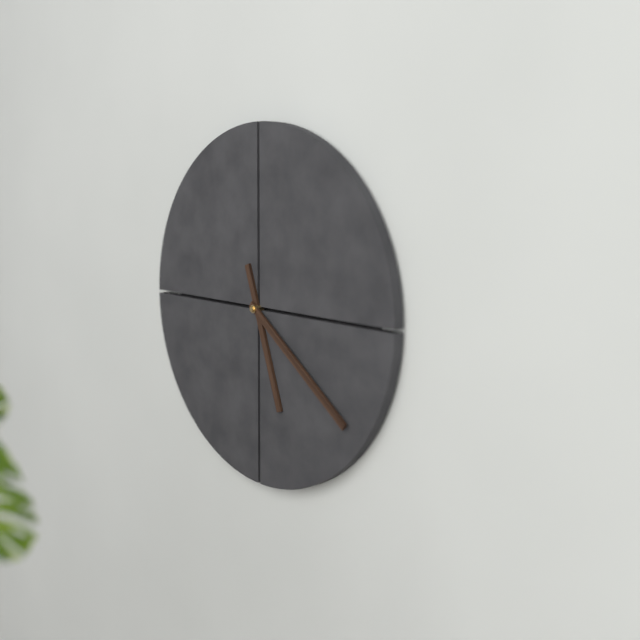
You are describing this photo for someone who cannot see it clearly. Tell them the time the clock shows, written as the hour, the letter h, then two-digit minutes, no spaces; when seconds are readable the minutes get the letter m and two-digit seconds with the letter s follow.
5h21
